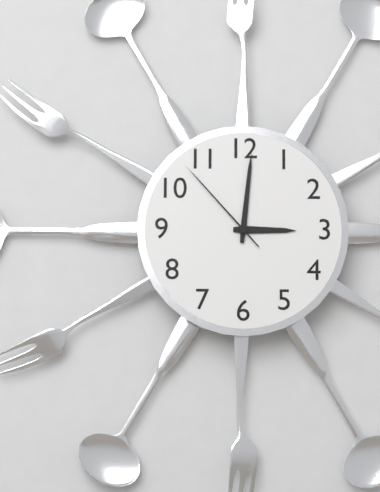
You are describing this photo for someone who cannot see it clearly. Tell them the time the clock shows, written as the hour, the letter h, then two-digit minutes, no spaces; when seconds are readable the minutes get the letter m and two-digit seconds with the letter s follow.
3h01m53s
